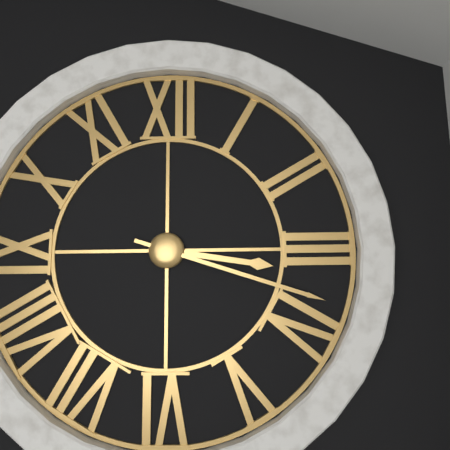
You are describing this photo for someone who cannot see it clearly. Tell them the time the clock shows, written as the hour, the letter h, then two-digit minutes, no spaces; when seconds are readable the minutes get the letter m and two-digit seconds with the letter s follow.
3h18
